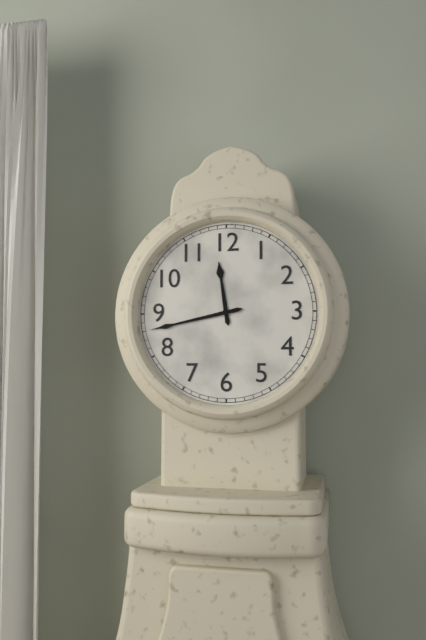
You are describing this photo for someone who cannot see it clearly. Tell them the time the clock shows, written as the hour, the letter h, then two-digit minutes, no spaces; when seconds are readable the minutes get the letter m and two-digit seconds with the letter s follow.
11h43
